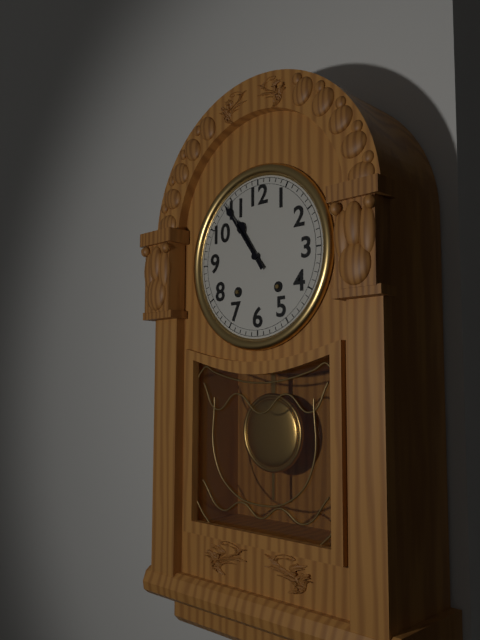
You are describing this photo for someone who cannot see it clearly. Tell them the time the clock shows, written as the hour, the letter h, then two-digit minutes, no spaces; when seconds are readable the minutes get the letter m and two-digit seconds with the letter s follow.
10h54
